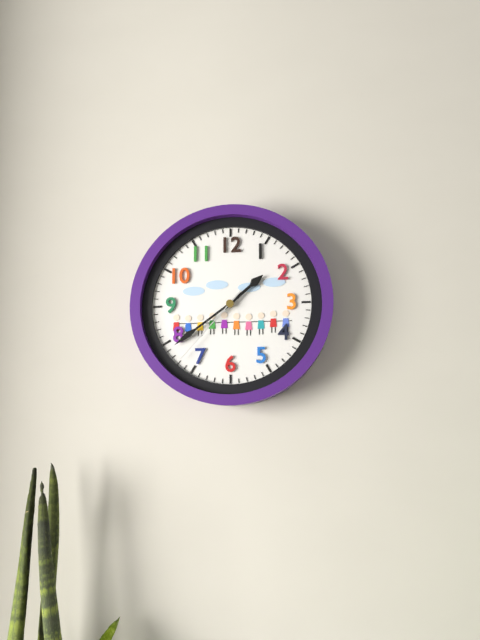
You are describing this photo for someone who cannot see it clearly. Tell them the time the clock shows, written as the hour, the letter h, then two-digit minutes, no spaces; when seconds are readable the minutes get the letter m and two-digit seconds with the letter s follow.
1h39m37s
